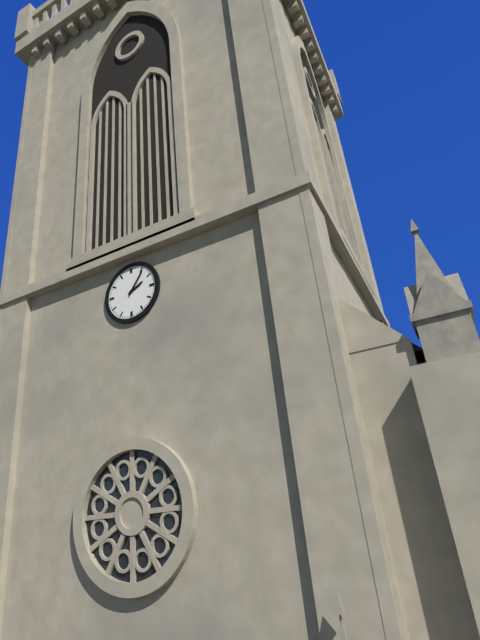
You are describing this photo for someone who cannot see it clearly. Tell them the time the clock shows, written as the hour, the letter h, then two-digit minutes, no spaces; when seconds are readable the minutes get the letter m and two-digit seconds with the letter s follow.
2h06
